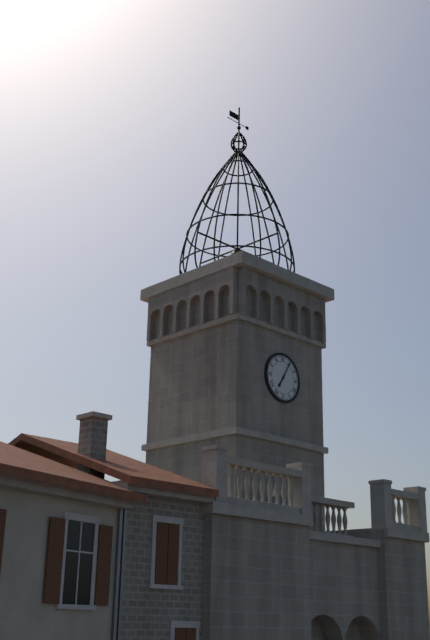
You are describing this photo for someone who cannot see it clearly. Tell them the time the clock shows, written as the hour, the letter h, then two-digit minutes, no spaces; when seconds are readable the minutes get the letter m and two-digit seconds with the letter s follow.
7h05
